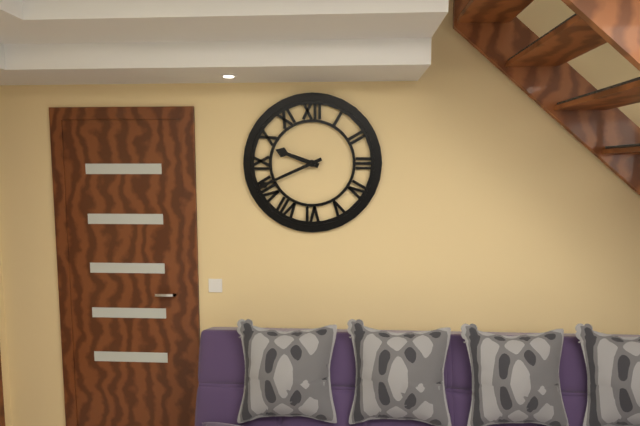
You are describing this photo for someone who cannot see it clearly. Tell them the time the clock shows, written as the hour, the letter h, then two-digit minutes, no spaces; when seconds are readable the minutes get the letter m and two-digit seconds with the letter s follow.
9h41
